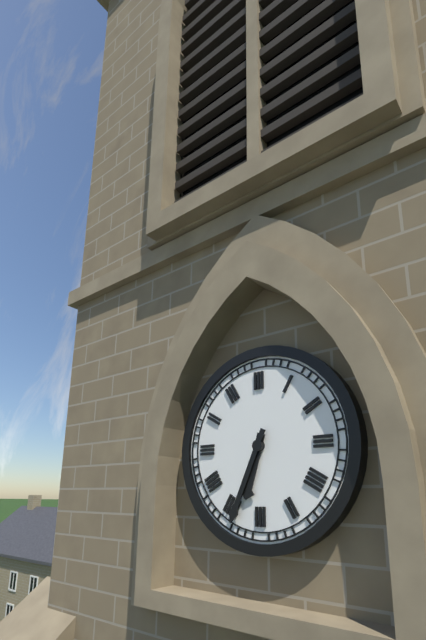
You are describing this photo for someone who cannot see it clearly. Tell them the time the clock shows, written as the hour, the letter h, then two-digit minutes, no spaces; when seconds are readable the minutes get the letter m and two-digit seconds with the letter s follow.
6h34
